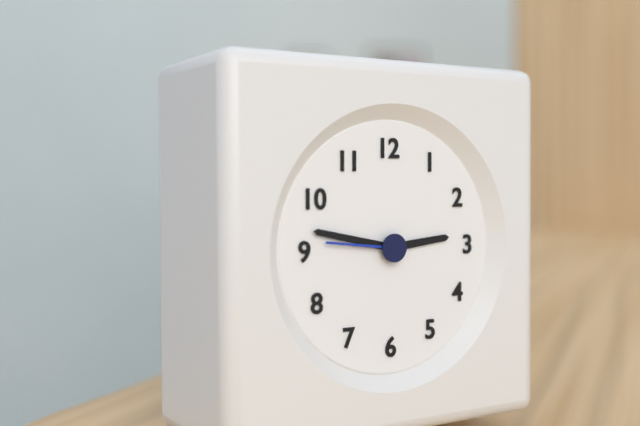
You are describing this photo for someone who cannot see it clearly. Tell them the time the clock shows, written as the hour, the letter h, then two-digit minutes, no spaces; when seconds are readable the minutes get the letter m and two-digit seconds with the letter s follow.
2h47m46s
